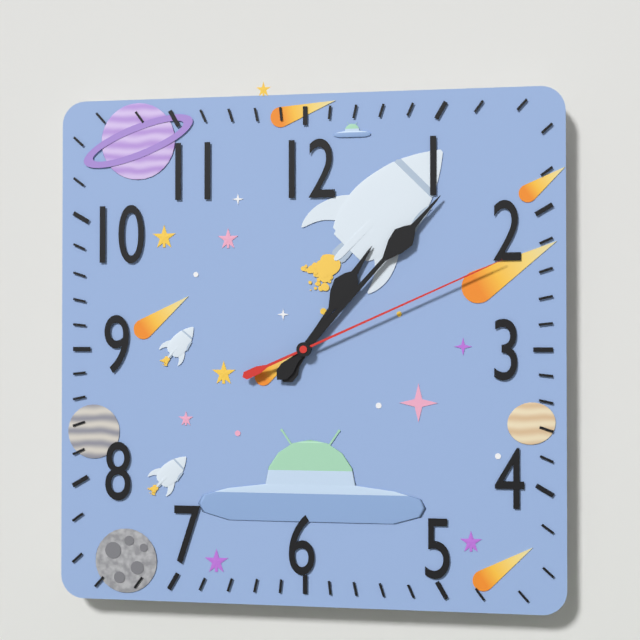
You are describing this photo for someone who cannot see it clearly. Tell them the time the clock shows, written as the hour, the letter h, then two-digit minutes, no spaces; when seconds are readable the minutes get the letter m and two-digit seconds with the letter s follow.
1h07m11s
